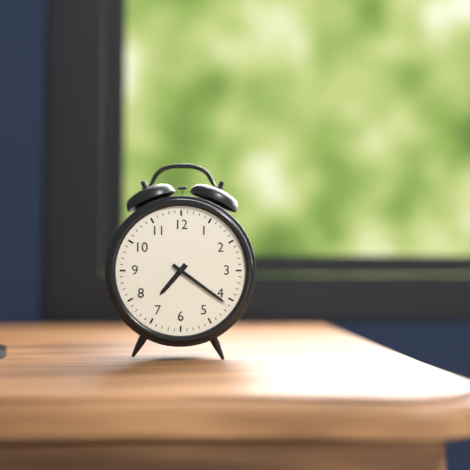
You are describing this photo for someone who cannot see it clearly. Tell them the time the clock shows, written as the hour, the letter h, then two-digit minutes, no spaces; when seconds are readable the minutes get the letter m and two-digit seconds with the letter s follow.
7h21
